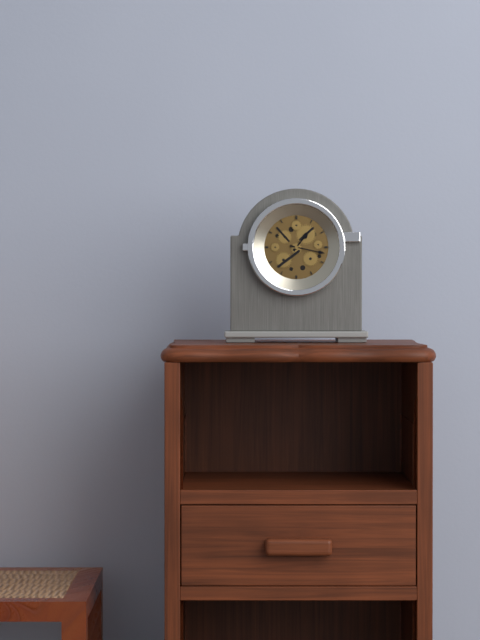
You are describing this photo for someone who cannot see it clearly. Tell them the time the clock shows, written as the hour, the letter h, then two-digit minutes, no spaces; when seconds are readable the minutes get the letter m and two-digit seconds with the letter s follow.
1h17
